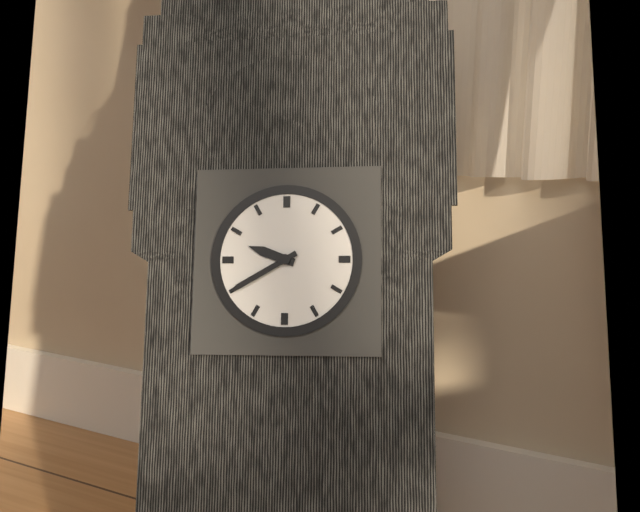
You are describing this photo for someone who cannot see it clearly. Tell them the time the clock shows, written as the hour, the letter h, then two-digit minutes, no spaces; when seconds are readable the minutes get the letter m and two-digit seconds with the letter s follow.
9h40
